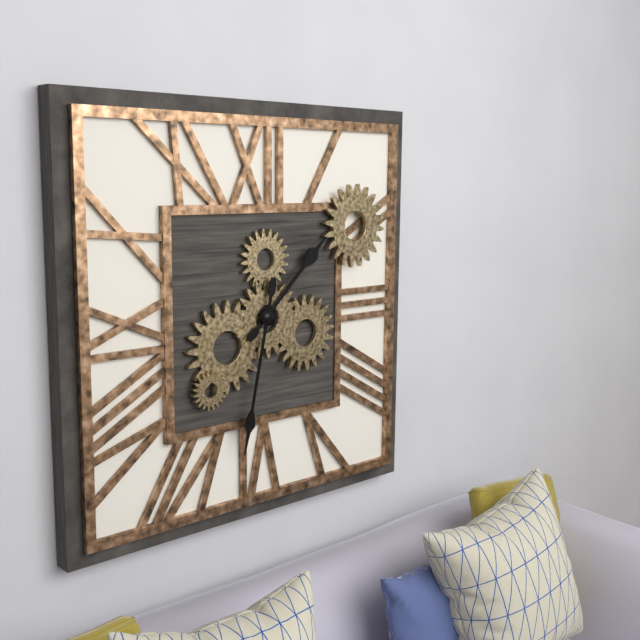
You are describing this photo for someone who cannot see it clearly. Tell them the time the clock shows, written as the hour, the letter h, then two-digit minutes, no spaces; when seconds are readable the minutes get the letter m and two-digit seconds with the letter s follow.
1h32
